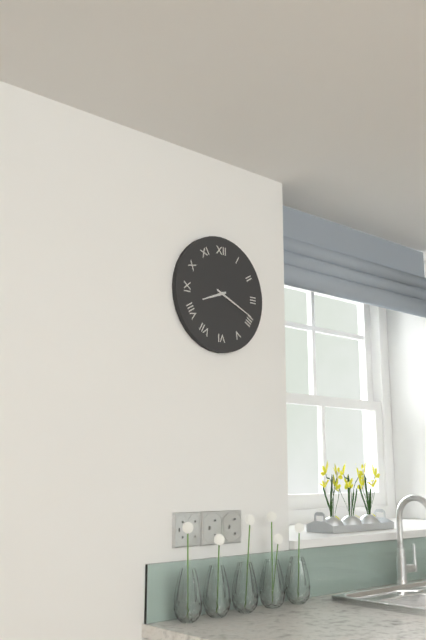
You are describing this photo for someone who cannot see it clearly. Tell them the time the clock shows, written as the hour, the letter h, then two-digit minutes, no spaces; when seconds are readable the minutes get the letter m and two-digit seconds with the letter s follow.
8h19
